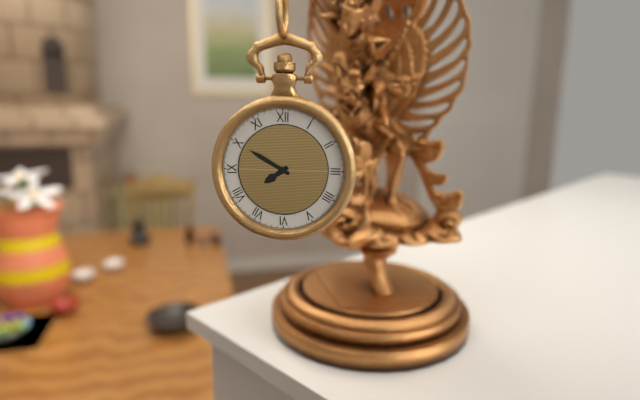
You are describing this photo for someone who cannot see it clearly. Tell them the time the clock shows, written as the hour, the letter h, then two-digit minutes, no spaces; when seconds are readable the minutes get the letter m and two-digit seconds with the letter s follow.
7h50
